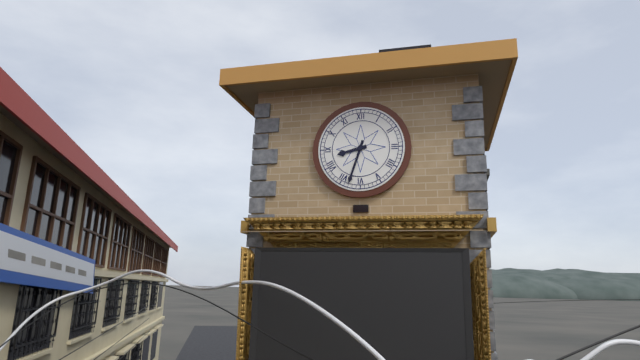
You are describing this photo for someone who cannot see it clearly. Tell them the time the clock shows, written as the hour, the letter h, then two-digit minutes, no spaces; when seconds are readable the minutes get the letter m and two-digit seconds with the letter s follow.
8h33
